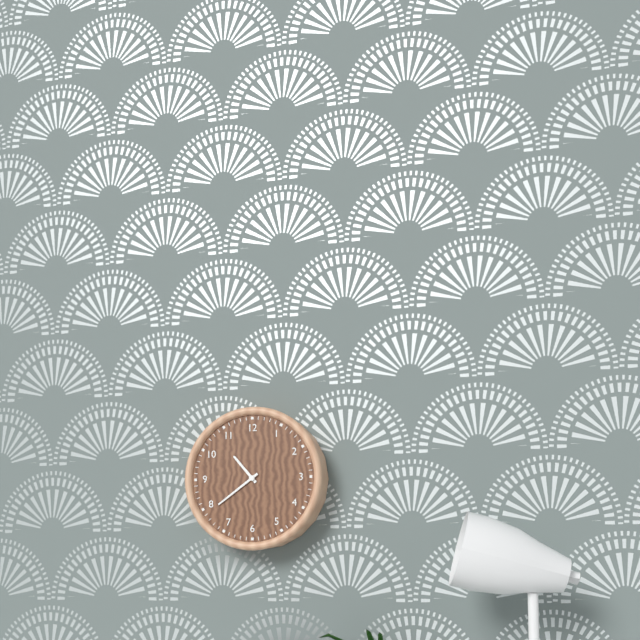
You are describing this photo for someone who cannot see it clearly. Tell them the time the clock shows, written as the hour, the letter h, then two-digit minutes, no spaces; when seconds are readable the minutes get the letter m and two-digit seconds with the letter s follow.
10h39
